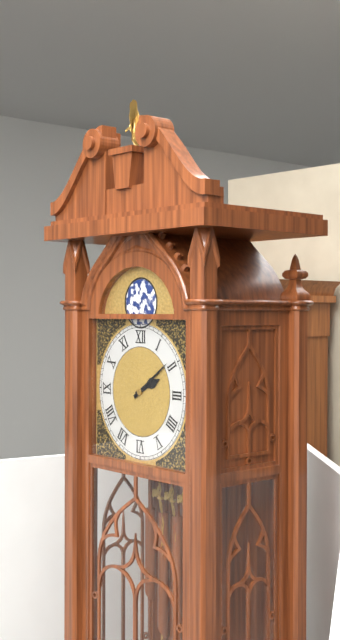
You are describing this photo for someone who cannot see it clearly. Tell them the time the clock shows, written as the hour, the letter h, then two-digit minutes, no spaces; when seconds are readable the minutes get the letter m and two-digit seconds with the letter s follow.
2h09
